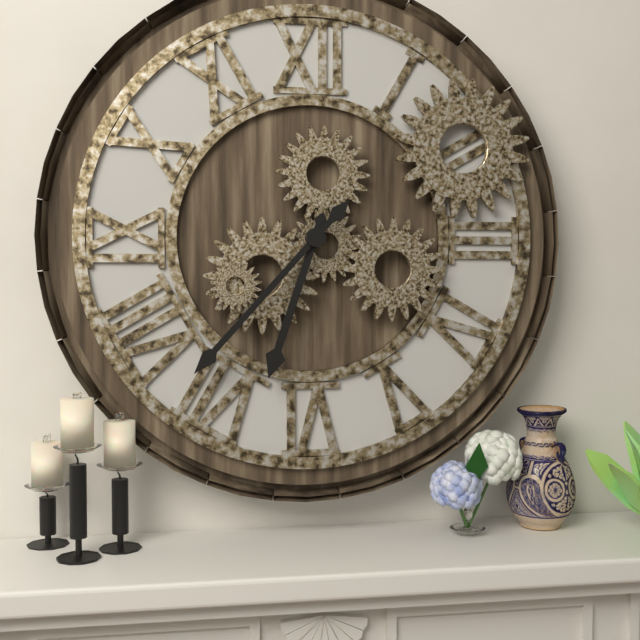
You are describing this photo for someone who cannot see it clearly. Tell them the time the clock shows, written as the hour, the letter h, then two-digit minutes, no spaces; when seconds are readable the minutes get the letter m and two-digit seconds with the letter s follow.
6h37
